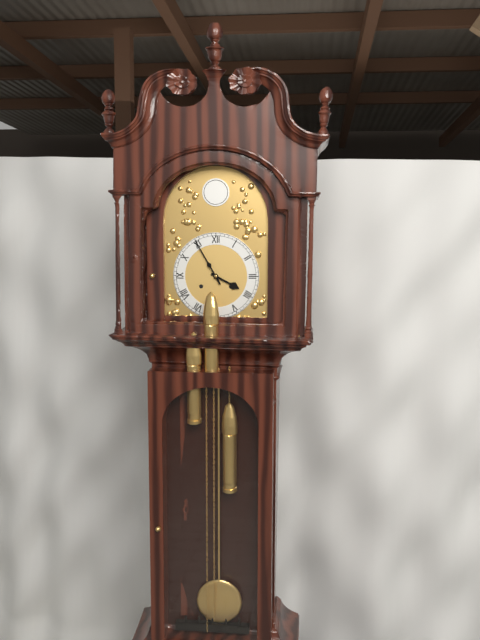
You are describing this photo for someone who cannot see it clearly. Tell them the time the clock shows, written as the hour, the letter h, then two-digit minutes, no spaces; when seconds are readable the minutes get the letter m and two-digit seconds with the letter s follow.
3h55
